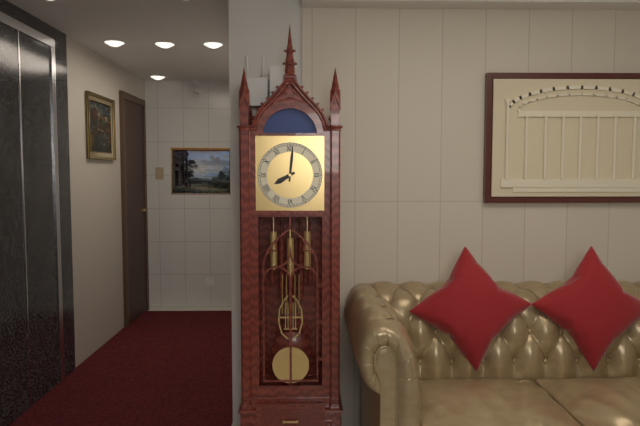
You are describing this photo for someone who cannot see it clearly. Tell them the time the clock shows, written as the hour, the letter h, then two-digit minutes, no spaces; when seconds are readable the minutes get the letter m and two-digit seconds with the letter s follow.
8h01
